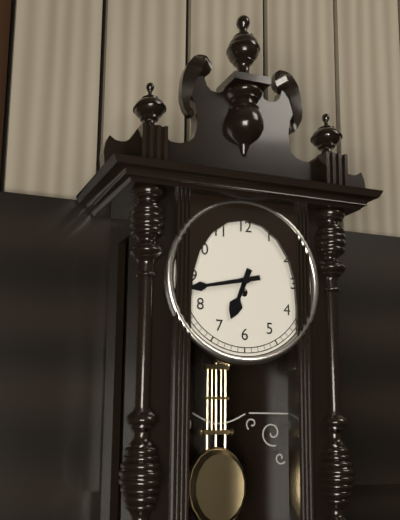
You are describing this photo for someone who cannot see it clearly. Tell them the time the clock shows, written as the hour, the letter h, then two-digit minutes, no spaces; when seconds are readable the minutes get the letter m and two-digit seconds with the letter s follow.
6h43
